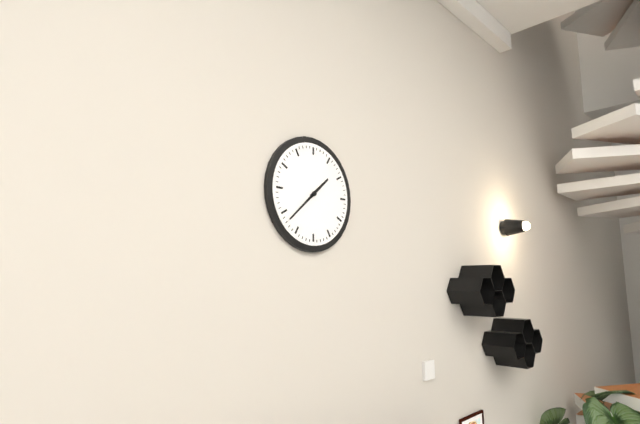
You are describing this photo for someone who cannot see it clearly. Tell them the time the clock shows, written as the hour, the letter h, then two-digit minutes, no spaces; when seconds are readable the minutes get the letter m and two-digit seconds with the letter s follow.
1h38
